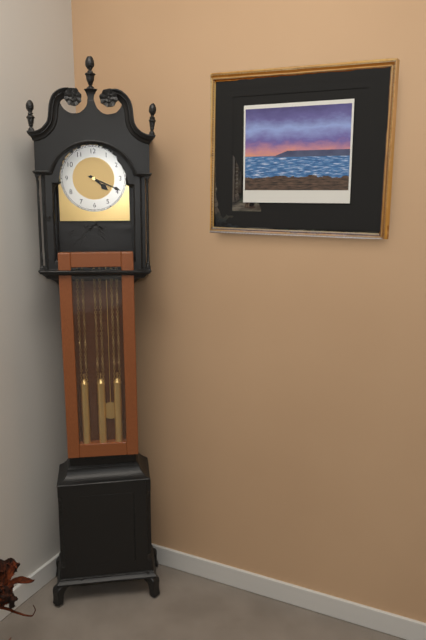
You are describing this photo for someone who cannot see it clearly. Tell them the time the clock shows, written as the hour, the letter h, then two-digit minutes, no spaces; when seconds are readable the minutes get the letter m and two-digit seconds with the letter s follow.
4h19
